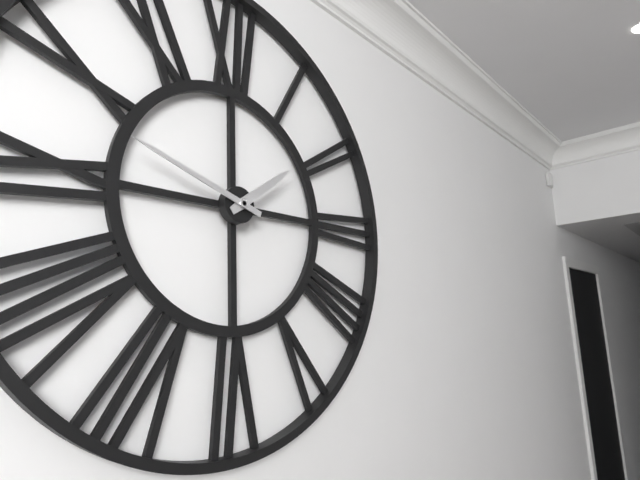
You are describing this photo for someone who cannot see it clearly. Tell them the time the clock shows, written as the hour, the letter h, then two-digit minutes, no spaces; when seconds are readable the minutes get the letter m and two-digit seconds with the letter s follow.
1h48
